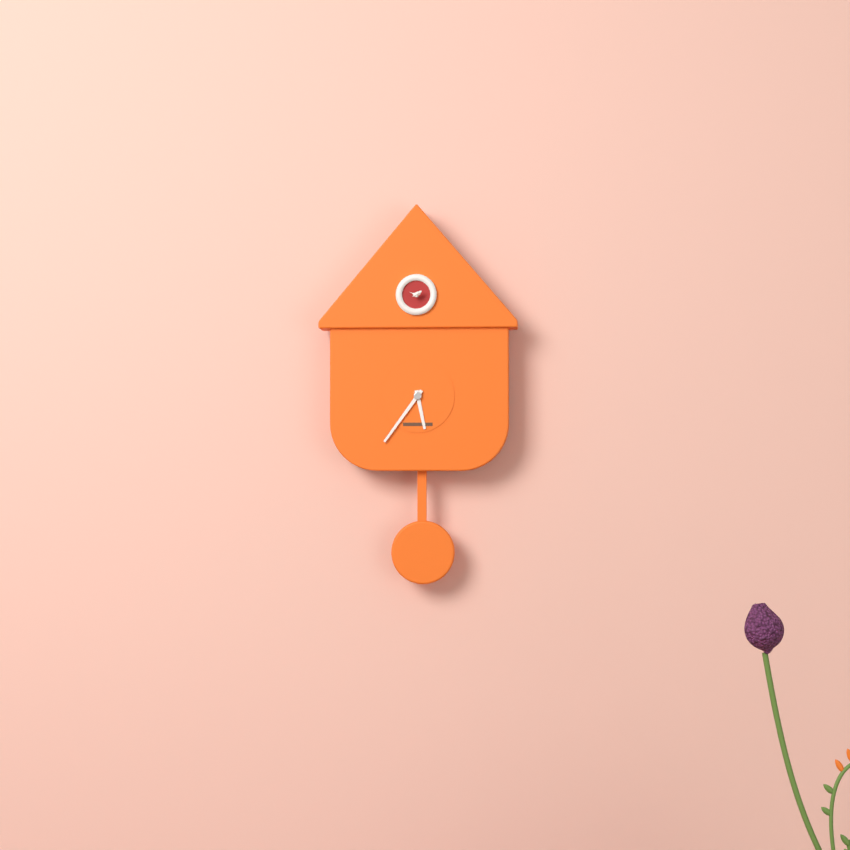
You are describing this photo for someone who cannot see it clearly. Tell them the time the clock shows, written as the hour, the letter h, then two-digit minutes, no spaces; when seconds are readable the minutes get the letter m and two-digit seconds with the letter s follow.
5h36
